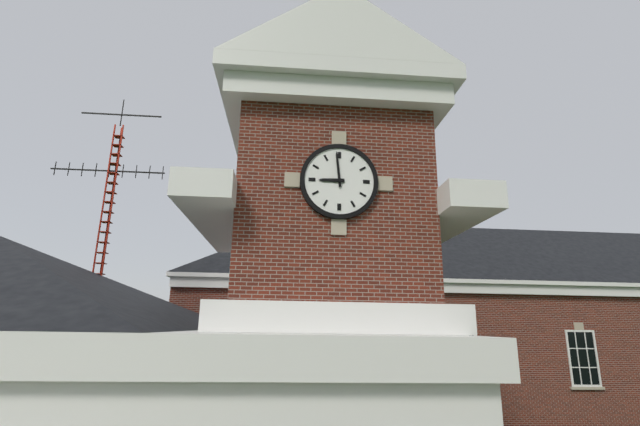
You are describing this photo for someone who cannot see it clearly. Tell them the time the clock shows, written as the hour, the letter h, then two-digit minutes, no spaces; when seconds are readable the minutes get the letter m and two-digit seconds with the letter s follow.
8h59
